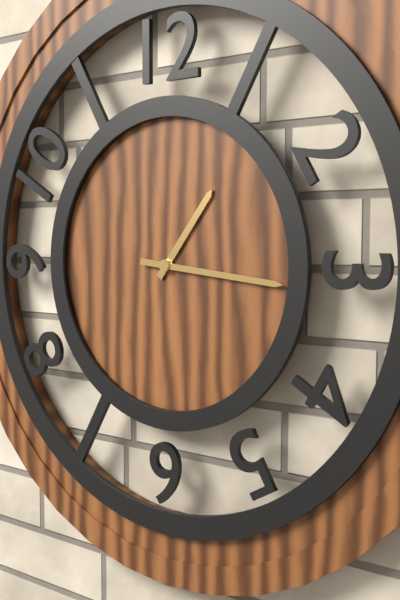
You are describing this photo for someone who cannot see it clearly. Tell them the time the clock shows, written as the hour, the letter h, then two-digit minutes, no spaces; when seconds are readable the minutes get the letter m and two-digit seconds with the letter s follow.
1h16
